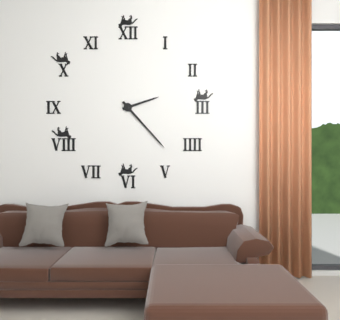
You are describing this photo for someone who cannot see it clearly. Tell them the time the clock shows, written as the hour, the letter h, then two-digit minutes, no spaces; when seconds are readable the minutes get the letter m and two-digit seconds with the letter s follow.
2h23
